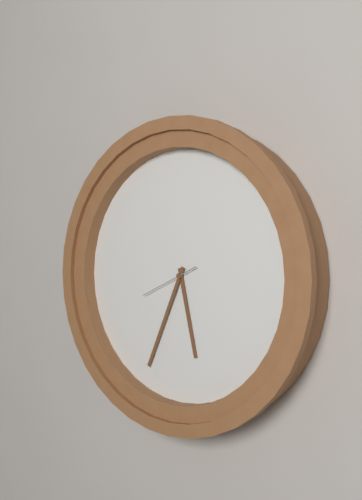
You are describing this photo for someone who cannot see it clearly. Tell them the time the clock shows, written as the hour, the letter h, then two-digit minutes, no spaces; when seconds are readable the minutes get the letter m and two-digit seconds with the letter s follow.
5h34m41s
